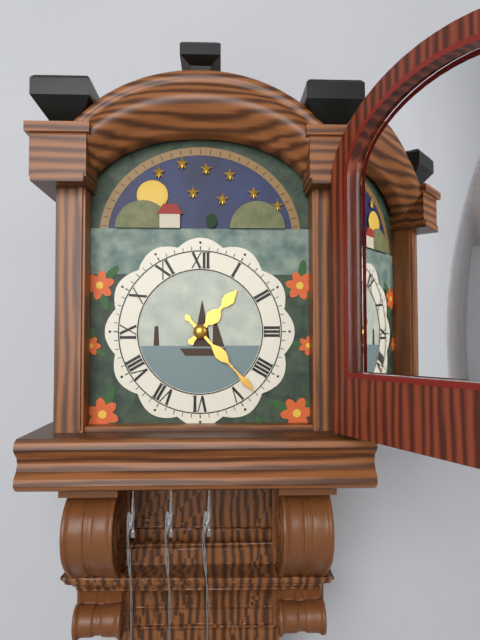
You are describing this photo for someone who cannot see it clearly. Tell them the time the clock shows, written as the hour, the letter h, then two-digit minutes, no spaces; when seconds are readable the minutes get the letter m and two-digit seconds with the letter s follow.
1h23
